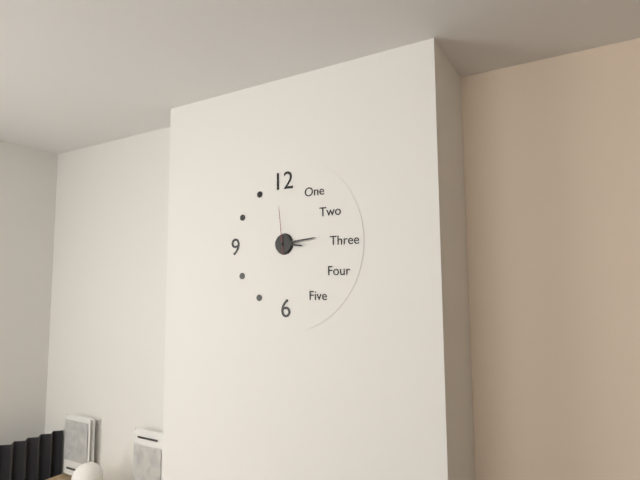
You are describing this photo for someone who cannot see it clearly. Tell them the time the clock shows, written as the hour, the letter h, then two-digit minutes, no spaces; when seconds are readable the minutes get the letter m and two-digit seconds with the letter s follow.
3h14
